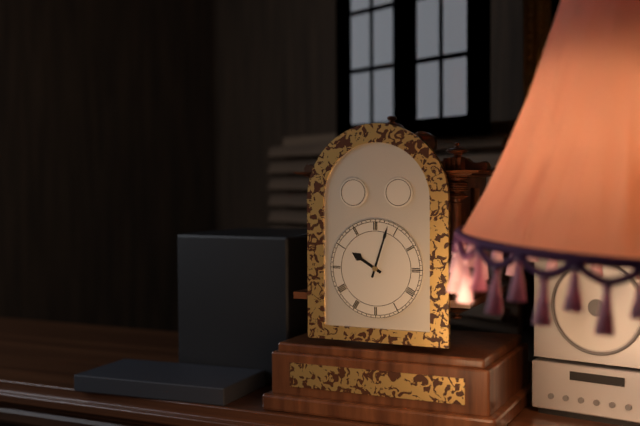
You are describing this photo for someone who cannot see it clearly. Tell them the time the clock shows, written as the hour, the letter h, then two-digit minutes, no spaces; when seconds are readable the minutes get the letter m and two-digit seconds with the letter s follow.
10h03
